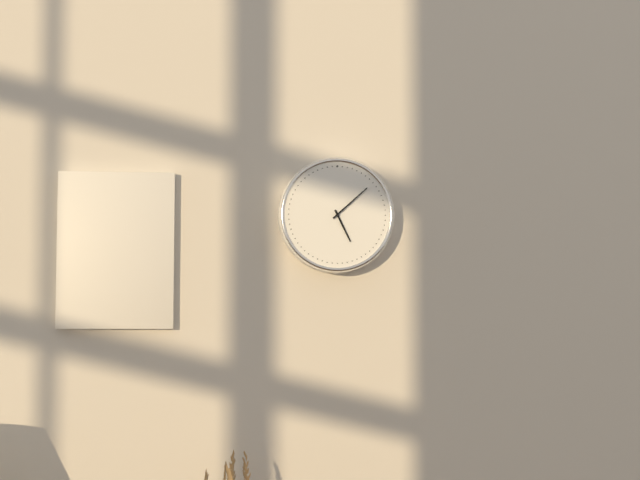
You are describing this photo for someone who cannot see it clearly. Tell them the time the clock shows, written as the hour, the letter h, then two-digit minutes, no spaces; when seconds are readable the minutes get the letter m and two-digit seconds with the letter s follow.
5h08
